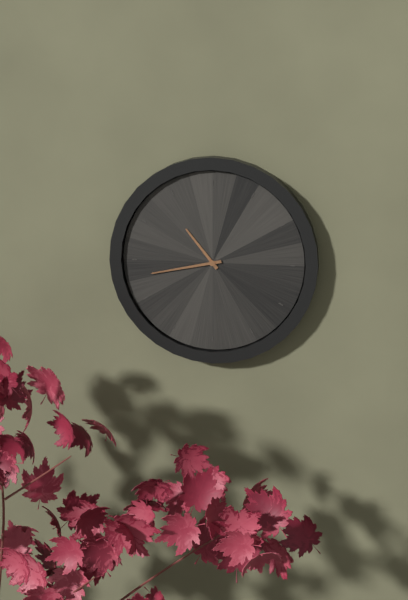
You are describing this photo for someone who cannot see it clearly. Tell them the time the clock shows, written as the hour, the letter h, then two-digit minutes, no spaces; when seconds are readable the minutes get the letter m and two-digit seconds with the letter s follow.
10h43
